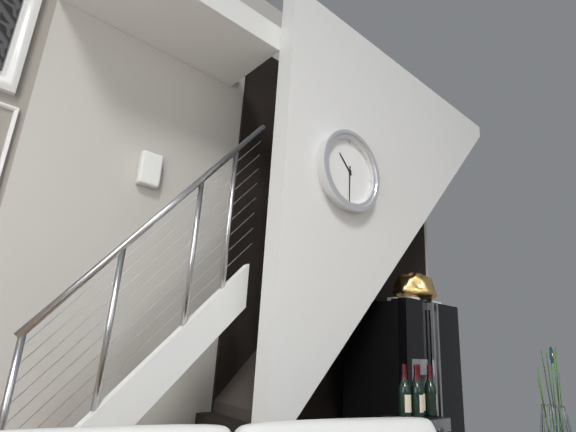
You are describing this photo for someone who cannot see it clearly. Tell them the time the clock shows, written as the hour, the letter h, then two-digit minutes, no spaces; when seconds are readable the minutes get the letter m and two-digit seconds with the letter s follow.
10h30
